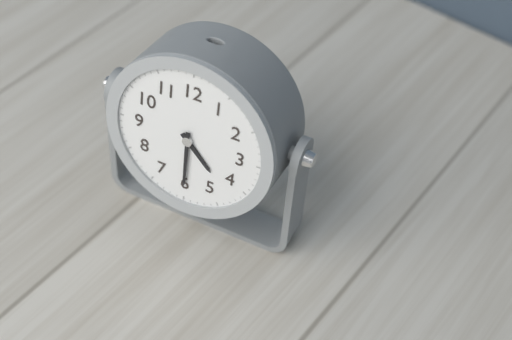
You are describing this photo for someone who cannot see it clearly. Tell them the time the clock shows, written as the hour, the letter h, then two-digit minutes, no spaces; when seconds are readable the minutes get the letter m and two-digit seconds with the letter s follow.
4h30
